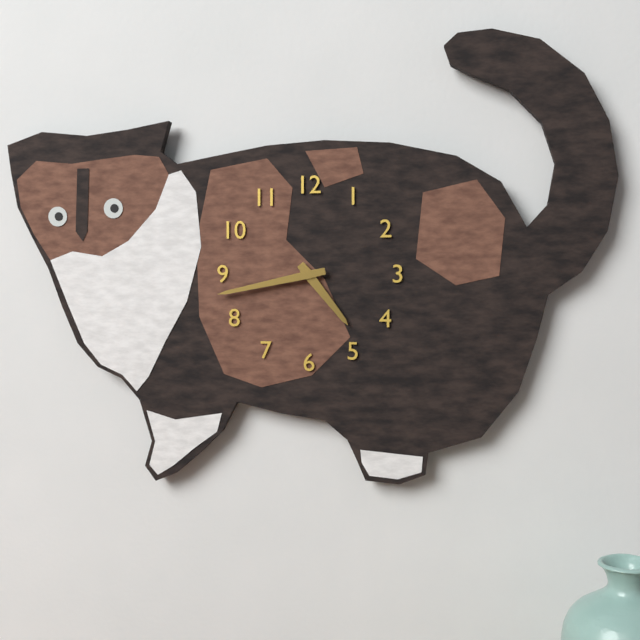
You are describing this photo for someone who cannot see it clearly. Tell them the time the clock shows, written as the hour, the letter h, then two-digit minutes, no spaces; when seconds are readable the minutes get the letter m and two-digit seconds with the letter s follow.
4h43
